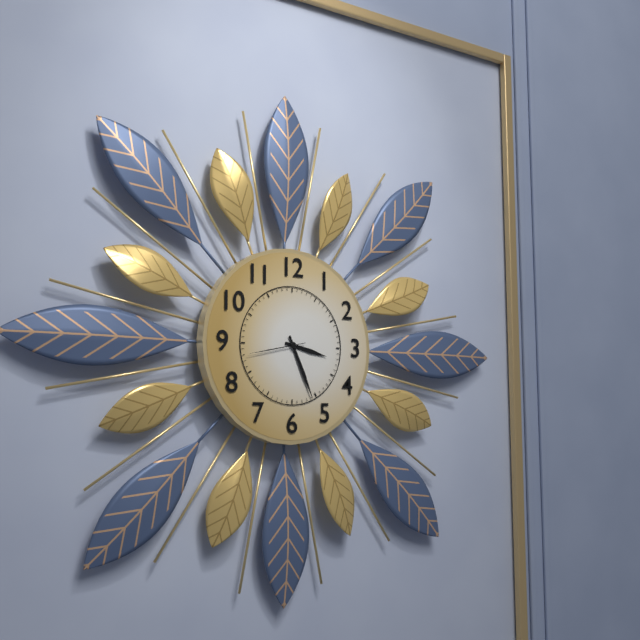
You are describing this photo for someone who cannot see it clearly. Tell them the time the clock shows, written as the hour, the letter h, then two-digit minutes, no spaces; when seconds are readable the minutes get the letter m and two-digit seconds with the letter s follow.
3h26m43s
